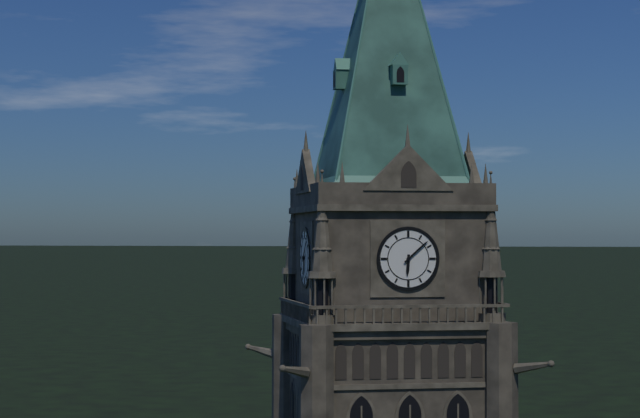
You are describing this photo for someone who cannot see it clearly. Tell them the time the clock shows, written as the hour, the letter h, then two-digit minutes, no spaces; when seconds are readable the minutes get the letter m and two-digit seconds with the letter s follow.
6h08
